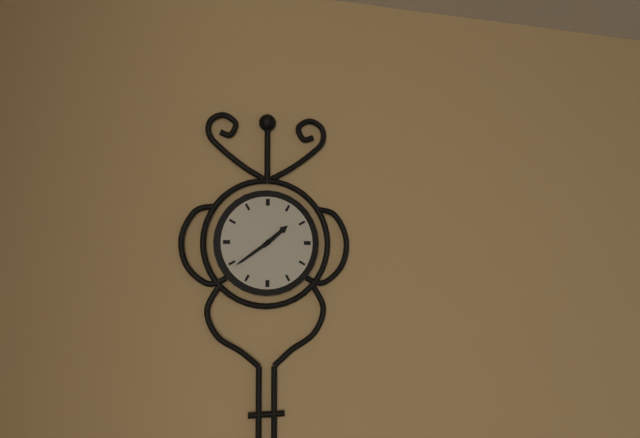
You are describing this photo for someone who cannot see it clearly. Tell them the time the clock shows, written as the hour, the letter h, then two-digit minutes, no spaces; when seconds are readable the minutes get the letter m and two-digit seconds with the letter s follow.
1h39
